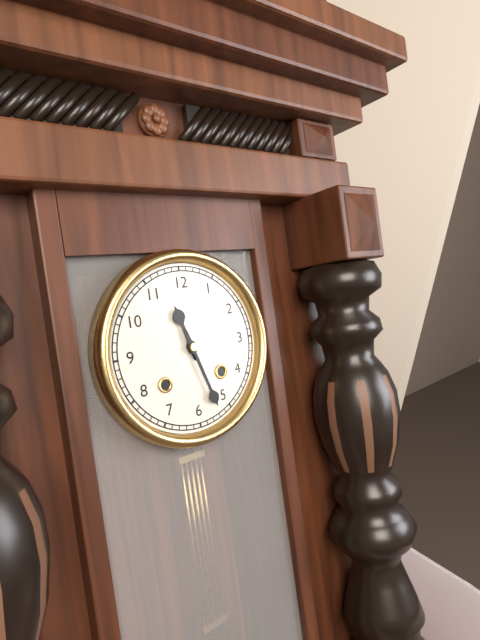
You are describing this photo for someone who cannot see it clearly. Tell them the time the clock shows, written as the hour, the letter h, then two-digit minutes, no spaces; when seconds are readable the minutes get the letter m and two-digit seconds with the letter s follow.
11h27
